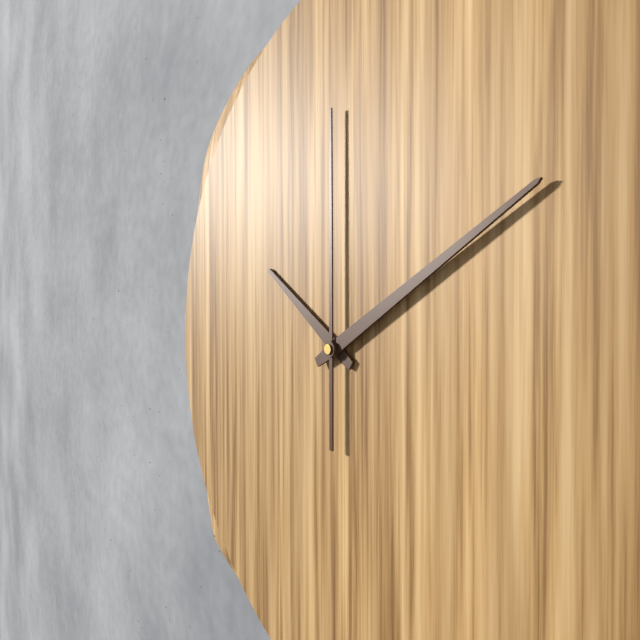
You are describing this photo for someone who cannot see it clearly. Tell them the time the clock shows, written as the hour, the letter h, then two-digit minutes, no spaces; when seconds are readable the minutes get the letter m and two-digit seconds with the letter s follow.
10h10m00s
